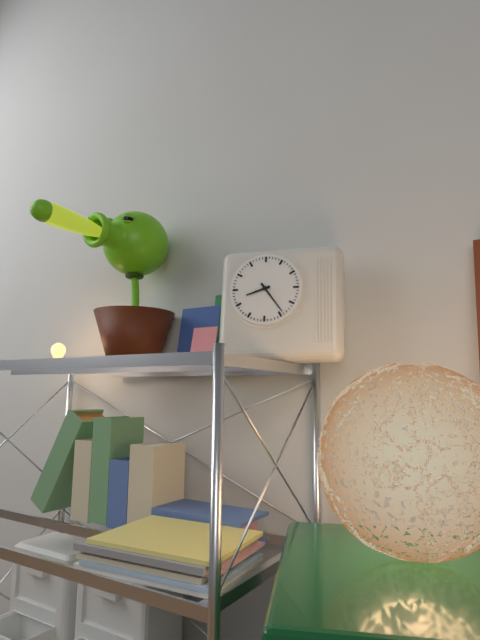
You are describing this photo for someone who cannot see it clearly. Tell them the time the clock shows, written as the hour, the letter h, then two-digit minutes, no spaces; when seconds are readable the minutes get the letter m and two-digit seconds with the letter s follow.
8h24
